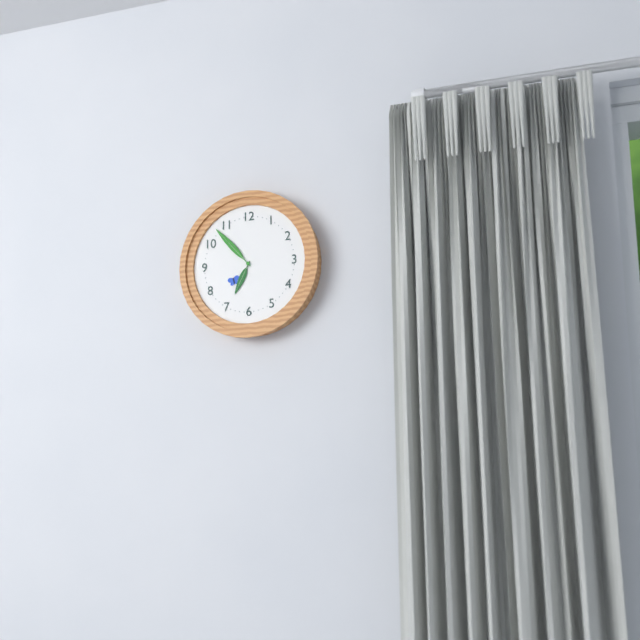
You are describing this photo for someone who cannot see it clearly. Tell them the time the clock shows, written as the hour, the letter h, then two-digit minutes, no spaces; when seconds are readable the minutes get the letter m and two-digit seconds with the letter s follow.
6h53
